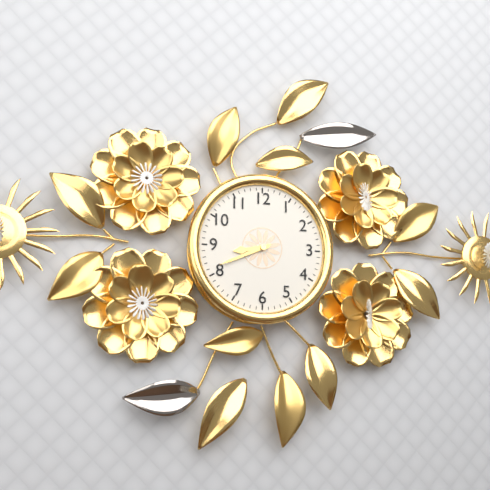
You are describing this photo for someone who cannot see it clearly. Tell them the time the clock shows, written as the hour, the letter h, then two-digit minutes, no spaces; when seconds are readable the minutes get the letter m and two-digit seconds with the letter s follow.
8h41
